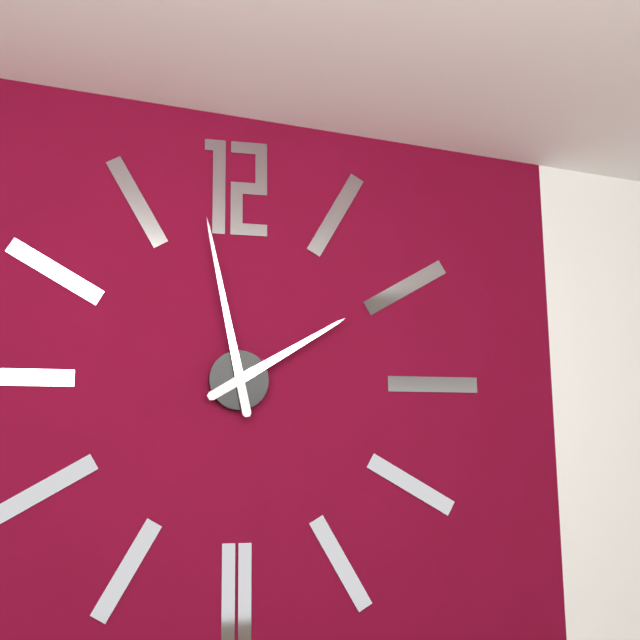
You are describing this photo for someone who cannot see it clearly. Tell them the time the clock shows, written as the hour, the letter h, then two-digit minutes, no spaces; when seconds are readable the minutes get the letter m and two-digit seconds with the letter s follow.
1h58
